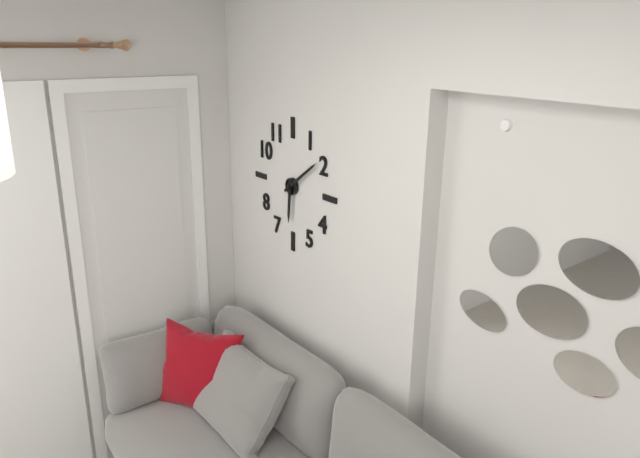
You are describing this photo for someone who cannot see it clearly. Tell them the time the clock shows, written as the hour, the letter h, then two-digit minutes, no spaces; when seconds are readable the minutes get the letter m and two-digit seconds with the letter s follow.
6h09
